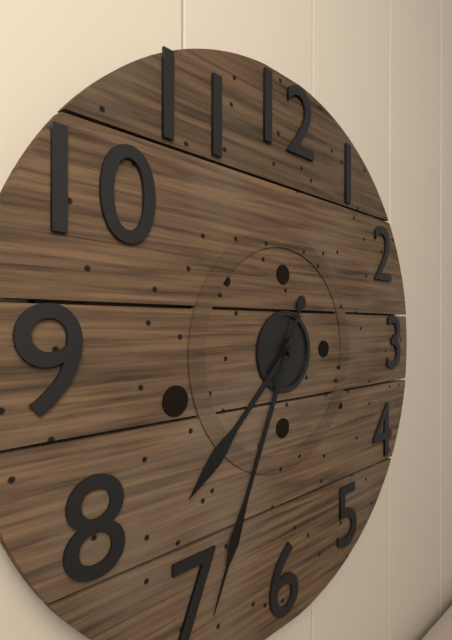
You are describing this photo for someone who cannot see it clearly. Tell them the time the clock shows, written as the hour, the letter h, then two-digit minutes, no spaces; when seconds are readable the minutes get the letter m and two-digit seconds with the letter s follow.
7h34
